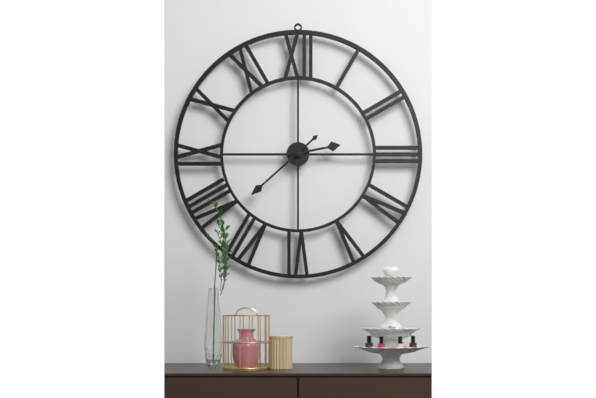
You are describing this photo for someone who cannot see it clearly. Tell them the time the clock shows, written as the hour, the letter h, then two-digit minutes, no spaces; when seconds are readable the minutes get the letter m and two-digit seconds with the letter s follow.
2h38
